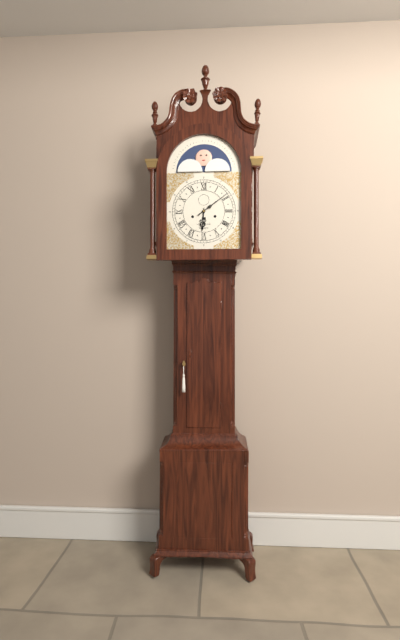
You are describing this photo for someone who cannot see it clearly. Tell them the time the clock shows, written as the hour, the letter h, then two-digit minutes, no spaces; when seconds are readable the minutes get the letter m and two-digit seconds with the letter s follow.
6h09
